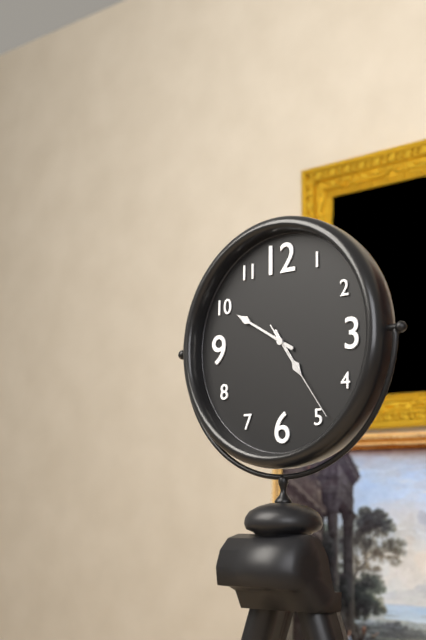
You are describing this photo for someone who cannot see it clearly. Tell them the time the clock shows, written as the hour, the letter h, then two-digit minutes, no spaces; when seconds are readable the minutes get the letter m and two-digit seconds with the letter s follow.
4h50m24s
